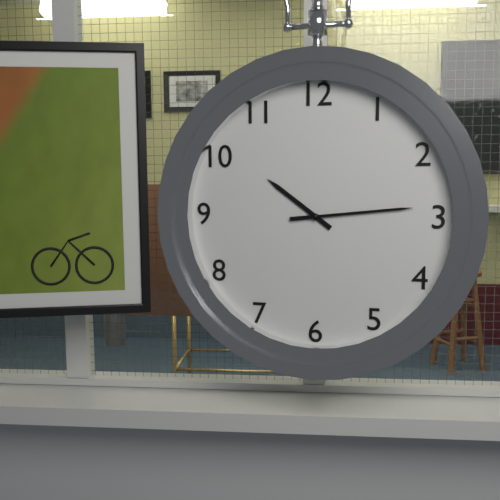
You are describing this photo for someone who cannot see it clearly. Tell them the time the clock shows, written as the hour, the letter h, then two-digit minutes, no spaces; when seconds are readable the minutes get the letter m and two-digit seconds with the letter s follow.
10h14
